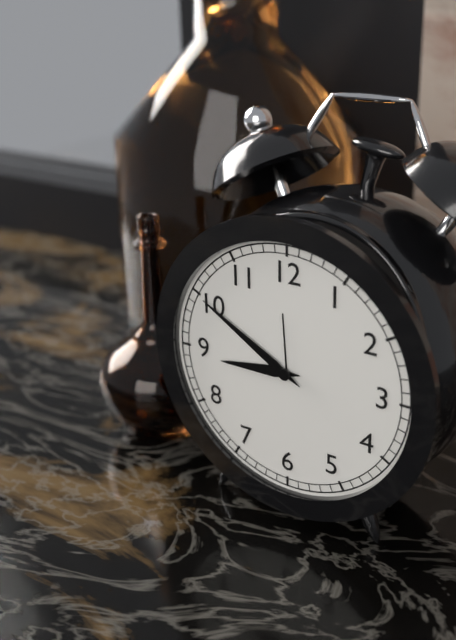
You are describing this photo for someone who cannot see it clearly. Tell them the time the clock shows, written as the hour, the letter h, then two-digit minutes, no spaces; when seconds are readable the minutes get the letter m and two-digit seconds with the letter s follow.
8h50
